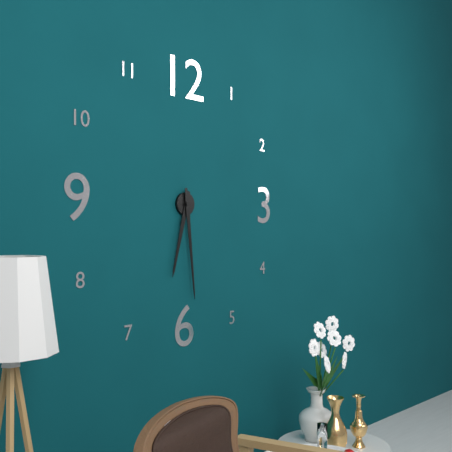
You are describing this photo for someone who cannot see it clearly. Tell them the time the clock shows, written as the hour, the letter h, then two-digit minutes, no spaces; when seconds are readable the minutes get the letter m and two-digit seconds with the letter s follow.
6h29
